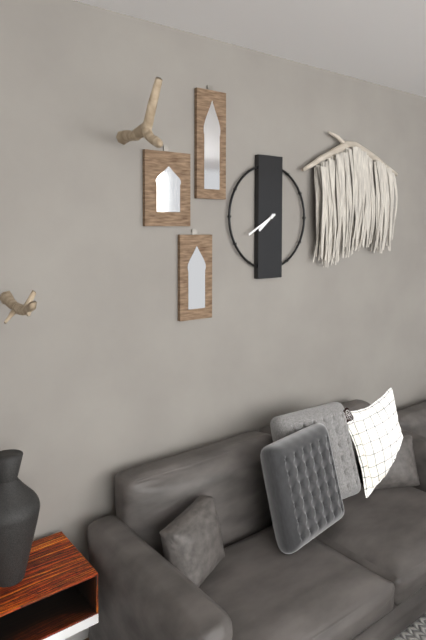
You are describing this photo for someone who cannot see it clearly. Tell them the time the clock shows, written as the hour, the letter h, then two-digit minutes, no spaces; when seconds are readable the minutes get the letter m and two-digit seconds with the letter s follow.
7h40
